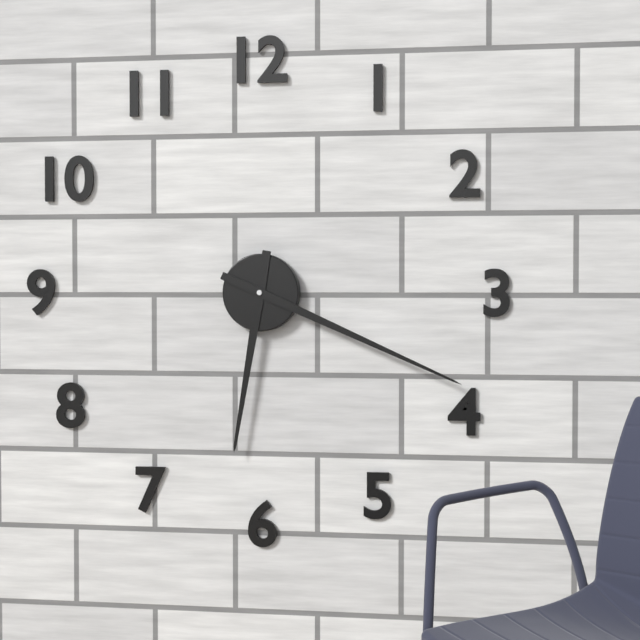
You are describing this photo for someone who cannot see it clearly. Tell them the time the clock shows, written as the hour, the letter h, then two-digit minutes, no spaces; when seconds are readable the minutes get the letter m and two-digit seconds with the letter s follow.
6h19
